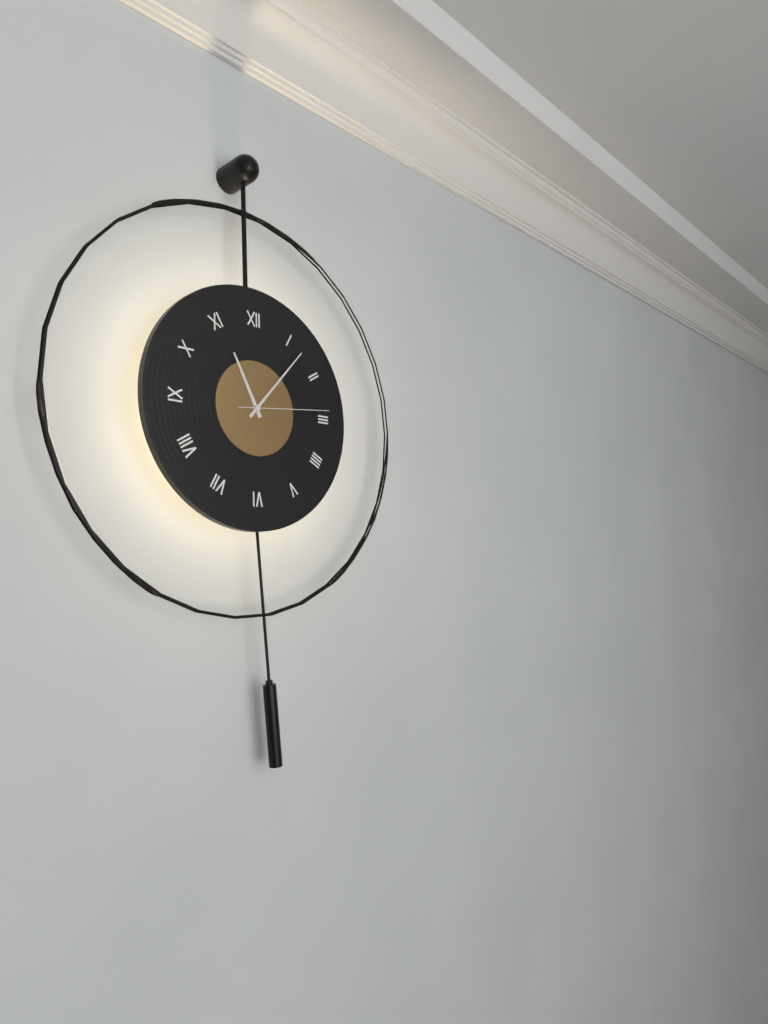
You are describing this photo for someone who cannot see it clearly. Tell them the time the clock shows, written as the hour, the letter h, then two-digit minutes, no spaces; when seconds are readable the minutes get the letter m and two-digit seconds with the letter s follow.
11h07m14s
